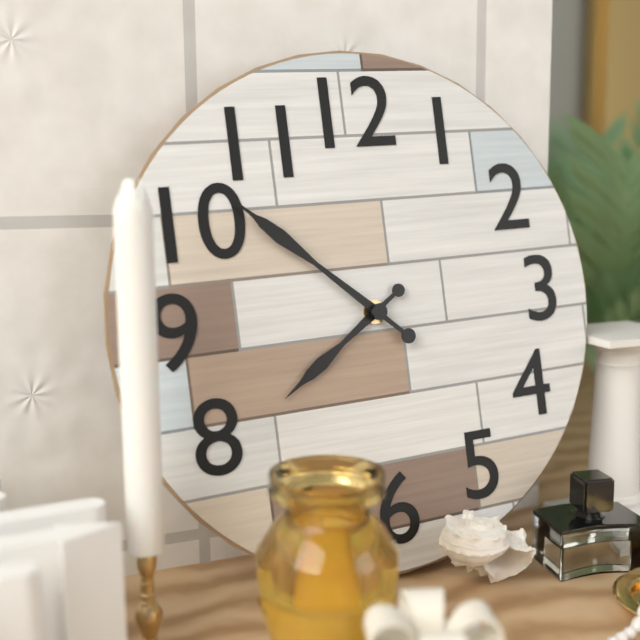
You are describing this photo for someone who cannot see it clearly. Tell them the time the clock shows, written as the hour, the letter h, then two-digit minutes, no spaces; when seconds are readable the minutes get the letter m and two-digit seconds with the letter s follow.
7h52
